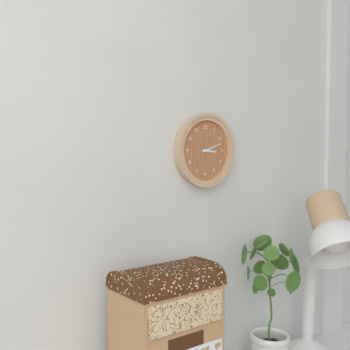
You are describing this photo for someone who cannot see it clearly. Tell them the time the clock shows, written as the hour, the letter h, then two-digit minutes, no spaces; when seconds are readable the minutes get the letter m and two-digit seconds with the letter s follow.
3h12
